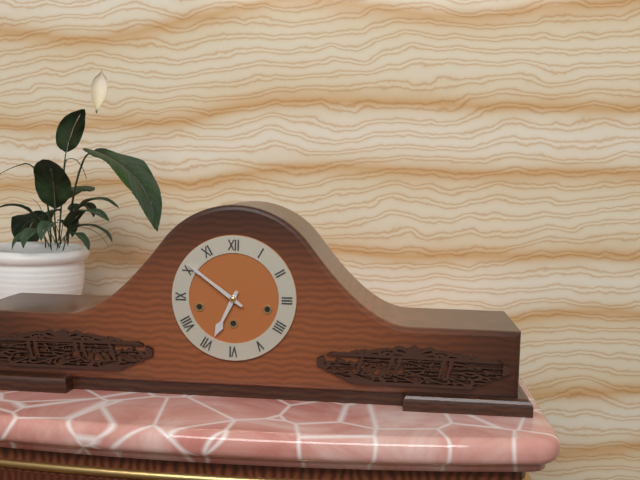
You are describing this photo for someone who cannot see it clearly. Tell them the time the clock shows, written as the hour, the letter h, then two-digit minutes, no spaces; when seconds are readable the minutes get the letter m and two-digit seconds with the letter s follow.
6h51
